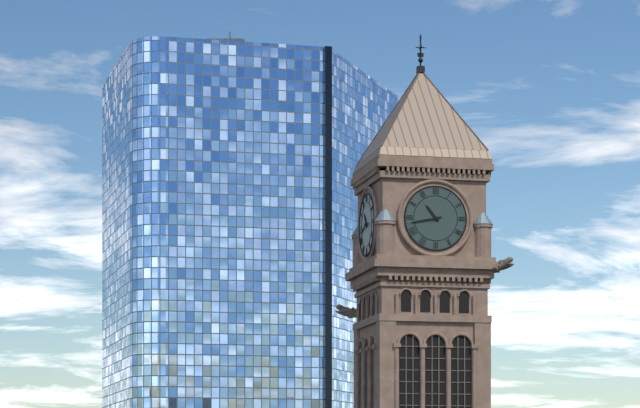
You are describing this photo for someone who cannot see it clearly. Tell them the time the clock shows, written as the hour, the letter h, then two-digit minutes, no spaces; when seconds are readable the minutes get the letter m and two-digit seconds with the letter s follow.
10h43
